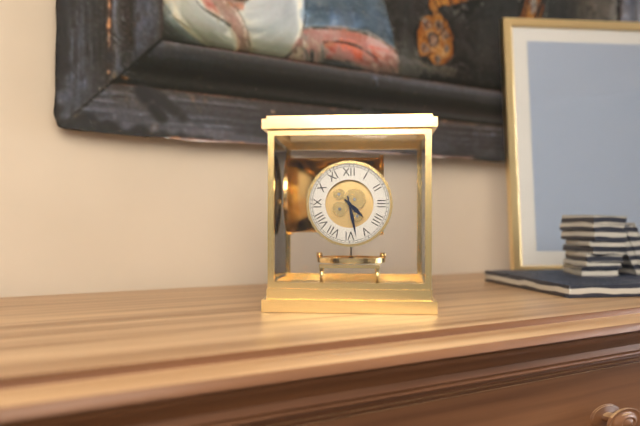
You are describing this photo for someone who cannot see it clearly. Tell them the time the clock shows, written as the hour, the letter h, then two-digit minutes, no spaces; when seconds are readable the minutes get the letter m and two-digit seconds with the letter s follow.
4h28
